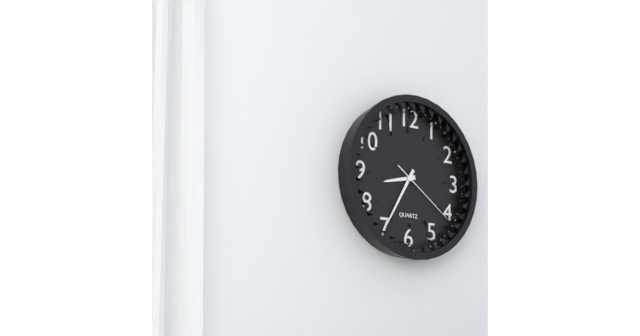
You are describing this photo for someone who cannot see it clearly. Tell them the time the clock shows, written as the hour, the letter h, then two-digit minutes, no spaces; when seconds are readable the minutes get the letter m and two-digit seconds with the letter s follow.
8h35m21s
